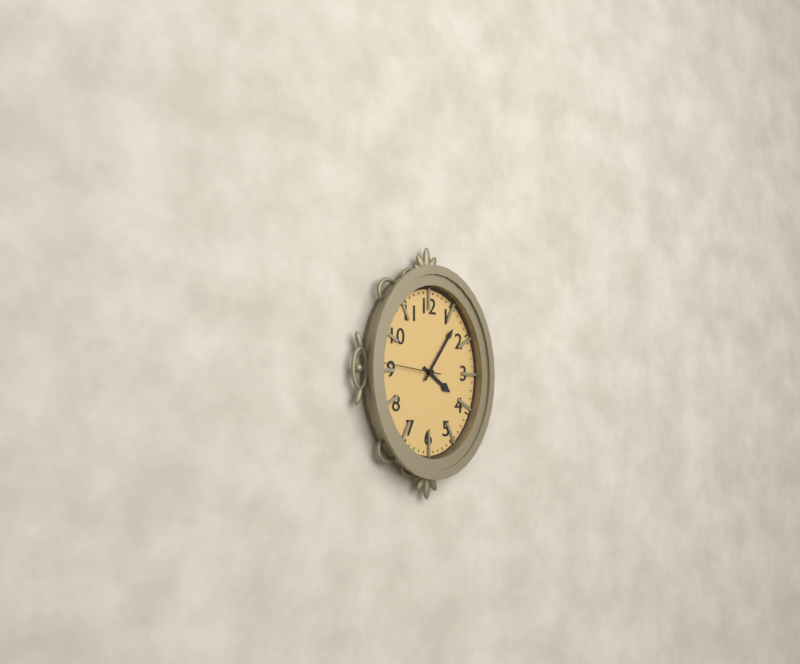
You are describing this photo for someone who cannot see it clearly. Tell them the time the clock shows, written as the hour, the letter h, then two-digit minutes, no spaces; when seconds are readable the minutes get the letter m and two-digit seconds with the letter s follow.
4h06m46s
